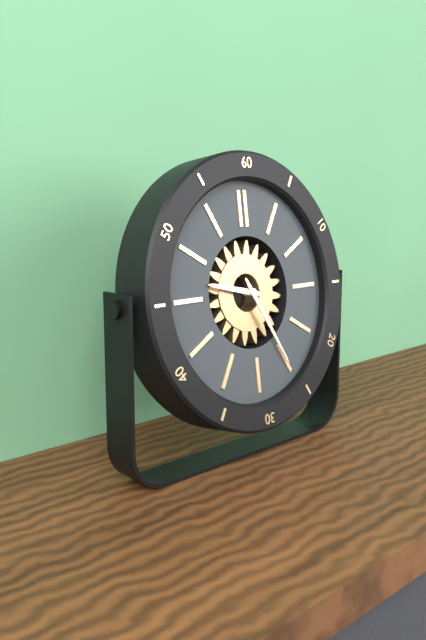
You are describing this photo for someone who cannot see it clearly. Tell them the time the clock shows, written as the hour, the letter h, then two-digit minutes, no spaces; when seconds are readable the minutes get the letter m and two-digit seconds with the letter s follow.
9h25
